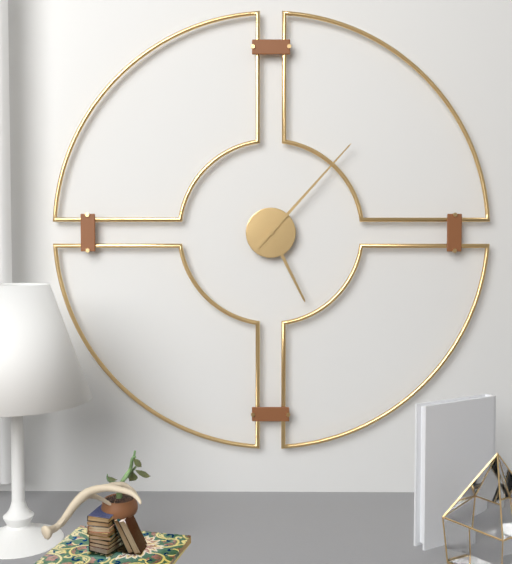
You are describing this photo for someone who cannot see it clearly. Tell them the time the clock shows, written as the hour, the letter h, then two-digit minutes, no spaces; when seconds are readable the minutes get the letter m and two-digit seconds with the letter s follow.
5h07
